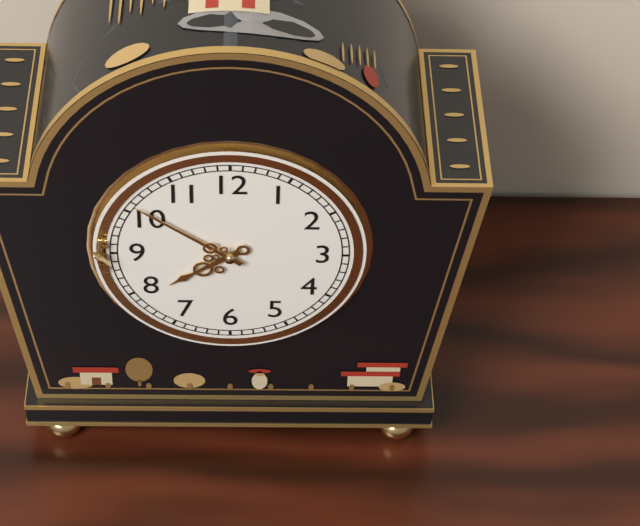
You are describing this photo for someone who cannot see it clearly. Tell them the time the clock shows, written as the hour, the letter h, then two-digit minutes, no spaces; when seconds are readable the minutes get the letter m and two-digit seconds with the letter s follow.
7h51
